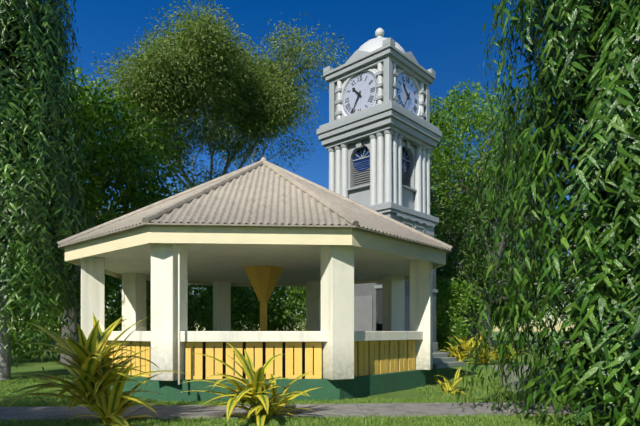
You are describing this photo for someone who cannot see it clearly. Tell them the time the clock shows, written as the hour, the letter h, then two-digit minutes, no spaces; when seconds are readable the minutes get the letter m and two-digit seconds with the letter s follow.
10h35
